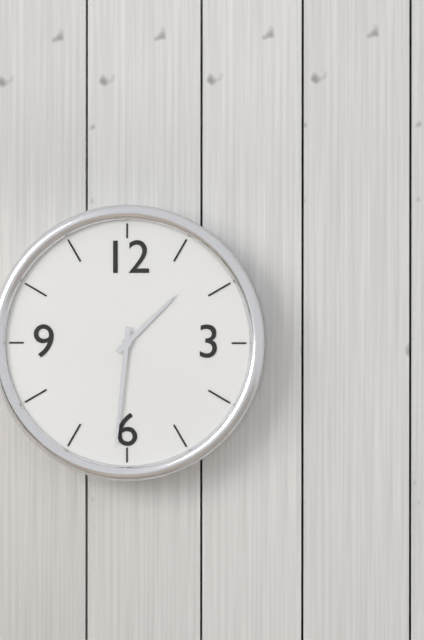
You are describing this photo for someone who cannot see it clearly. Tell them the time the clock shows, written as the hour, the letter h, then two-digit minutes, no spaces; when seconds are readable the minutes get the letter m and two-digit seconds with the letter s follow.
1h31
